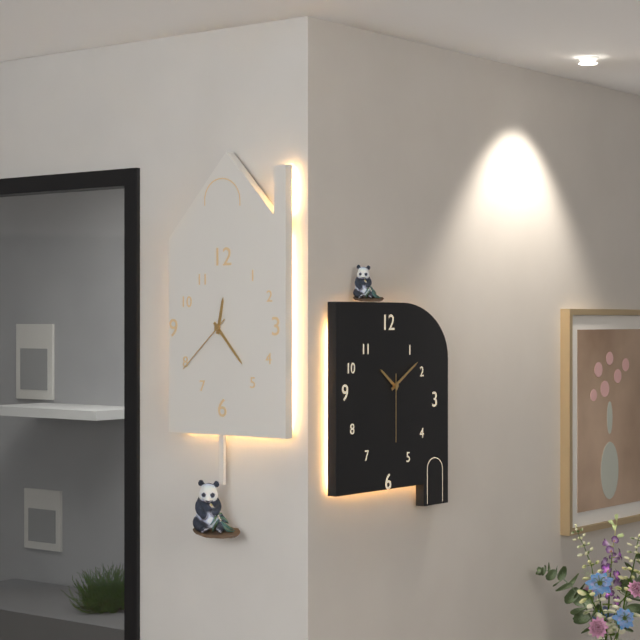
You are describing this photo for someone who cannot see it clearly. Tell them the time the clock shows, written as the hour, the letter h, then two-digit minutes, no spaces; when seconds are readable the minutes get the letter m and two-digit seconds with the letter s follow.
12h23m38s
